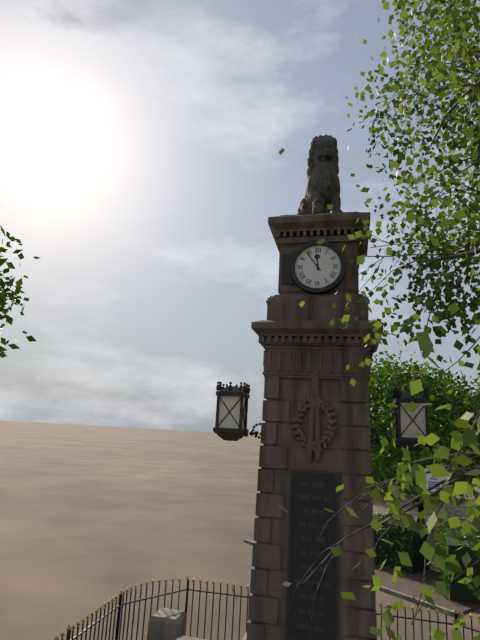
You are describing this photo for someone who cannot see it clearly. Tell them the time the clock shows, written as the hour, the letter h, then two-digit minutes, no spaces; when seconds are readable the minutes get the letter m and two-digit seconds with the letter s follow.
11h54
